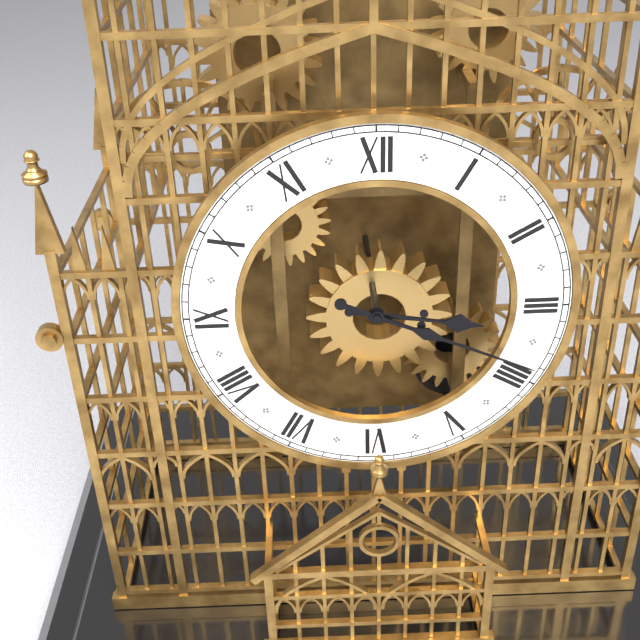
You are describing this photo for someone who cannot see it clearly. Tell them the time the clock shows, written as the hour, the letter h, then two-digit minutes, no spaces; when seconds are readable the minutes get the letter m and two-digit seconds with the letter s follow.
3h19
